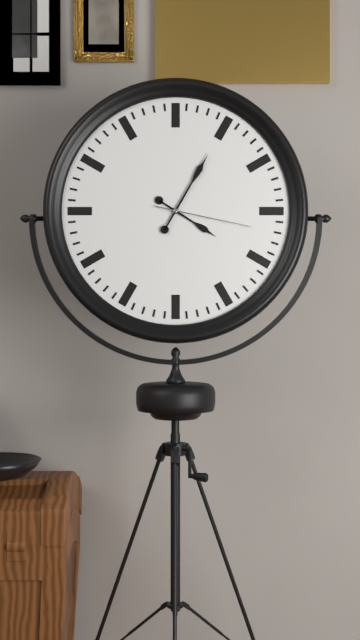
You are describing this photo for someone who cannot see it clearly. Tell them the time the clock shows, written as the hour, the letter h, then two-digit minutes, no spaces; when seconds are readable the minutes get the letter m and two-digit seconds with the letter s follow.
4h05m17s
